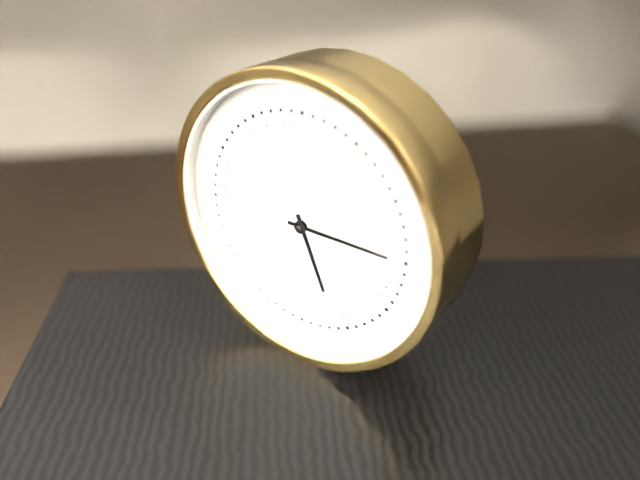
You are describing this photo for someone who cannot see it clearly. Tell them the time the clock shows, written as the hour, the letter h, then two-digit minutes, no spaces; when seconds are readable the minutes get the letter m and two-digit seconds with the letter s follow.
5h15
